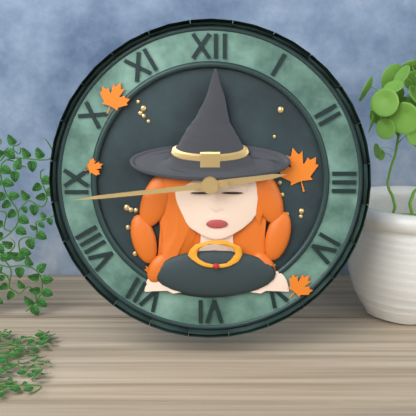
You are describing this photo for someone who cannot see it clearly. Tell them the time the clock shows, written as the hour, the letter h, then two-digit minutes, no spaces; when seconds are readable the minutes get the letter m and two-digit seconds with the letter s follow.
2h44
